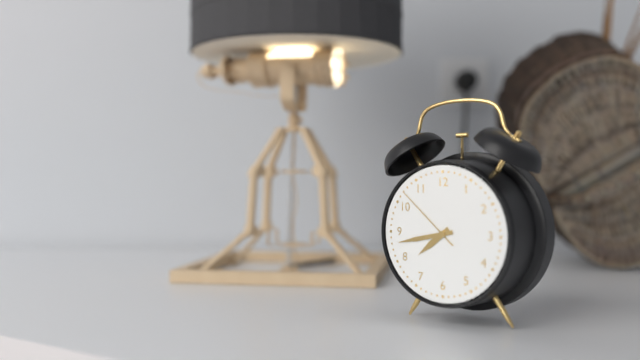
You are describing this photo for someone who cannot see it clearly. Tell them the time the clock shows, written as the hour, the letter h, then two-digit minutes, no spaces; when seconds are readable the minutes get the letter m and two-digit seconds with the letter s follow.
7h43m52s
